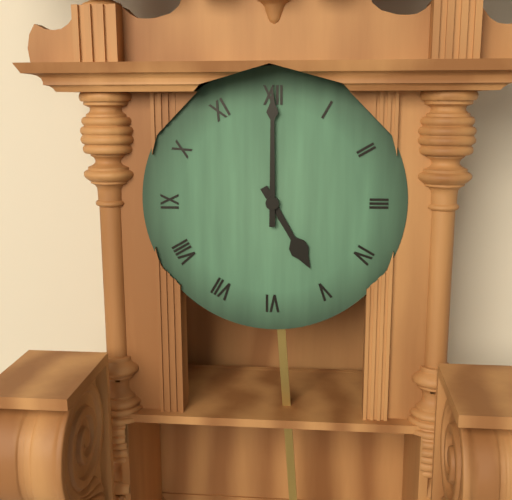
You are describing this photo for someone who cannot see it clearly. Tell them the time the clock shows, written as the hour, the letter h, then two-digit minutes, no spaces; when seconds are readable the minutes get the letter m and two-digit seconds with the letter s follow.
5h00
